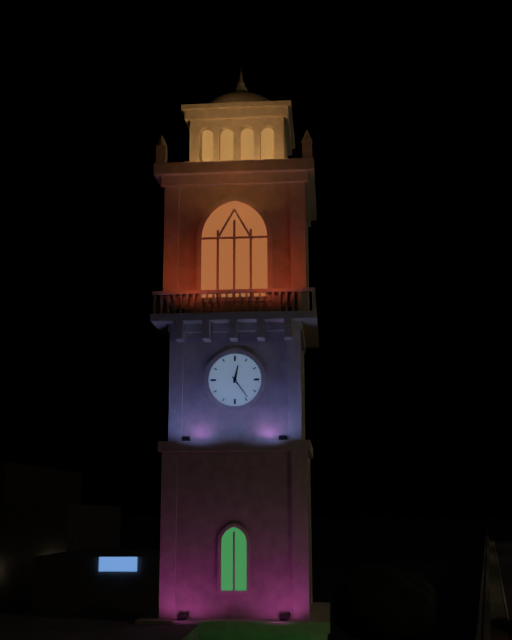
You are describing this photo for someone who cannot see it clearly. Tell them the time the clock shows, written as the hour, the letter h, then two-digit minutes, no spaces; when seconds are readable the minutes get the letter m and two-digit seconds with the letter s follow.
12h24
